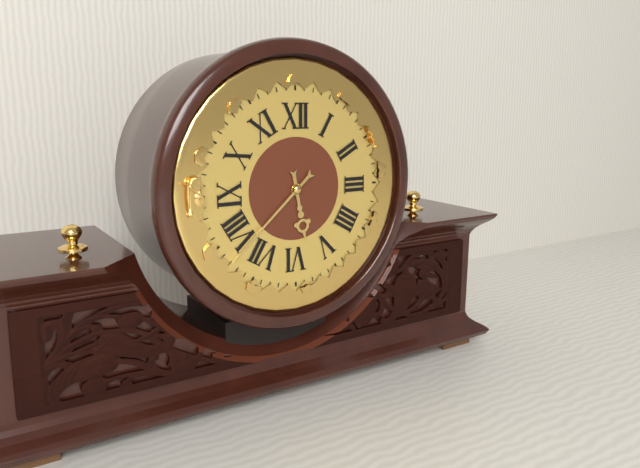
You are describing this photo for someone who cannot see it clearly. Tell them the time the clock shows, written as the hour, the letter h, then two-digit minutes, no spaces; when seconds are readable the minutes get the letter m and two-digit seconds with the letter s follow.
5h38
